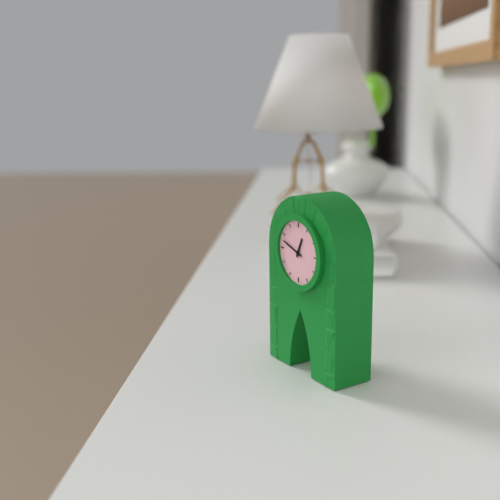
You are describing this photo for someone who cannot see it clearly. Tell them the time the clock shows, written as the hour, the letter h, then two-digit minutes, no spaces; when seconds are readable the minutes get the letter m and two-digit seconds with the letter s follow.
12h48
